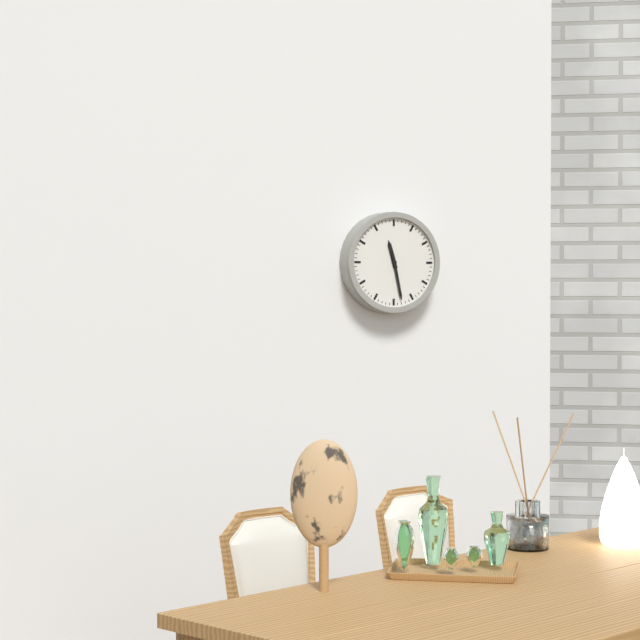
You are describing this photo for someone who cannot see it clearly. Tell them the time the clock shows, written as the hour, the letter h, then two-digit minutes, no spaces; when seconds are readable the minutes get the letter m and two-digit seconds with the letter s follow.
11h28
